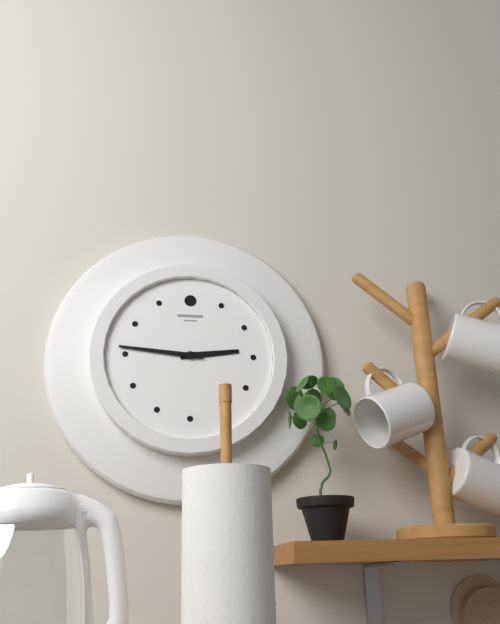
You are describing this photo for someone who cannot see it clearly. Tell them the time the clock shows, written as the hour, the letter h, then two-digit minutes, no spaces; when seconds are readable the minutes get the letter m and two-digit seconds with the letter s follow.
2h46
